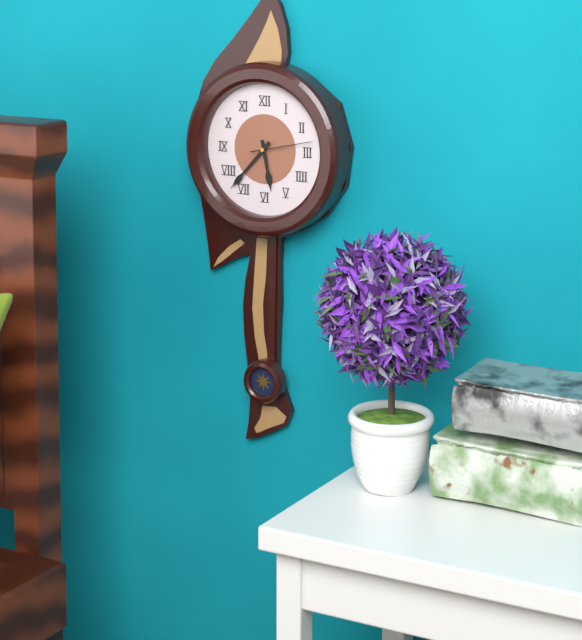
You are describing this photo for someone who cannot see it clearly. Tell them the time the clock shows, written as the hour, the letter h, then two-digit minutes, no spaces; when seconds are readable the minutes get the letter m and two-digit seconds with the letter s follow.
5h37m13s
